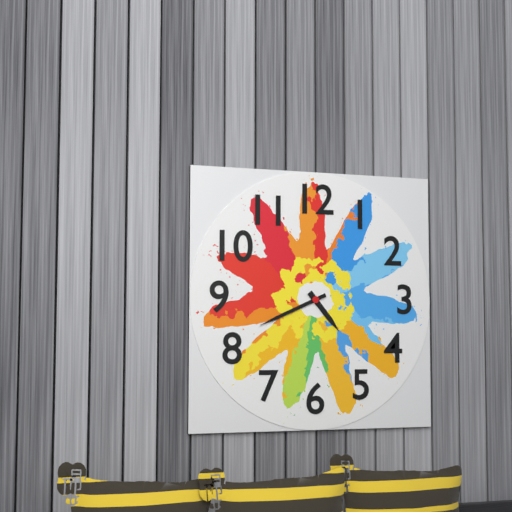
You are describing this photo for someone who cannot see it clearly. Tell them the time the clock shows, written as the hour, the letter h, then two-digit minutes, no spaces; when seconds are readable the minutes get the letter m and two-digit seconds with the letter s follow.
4h41
